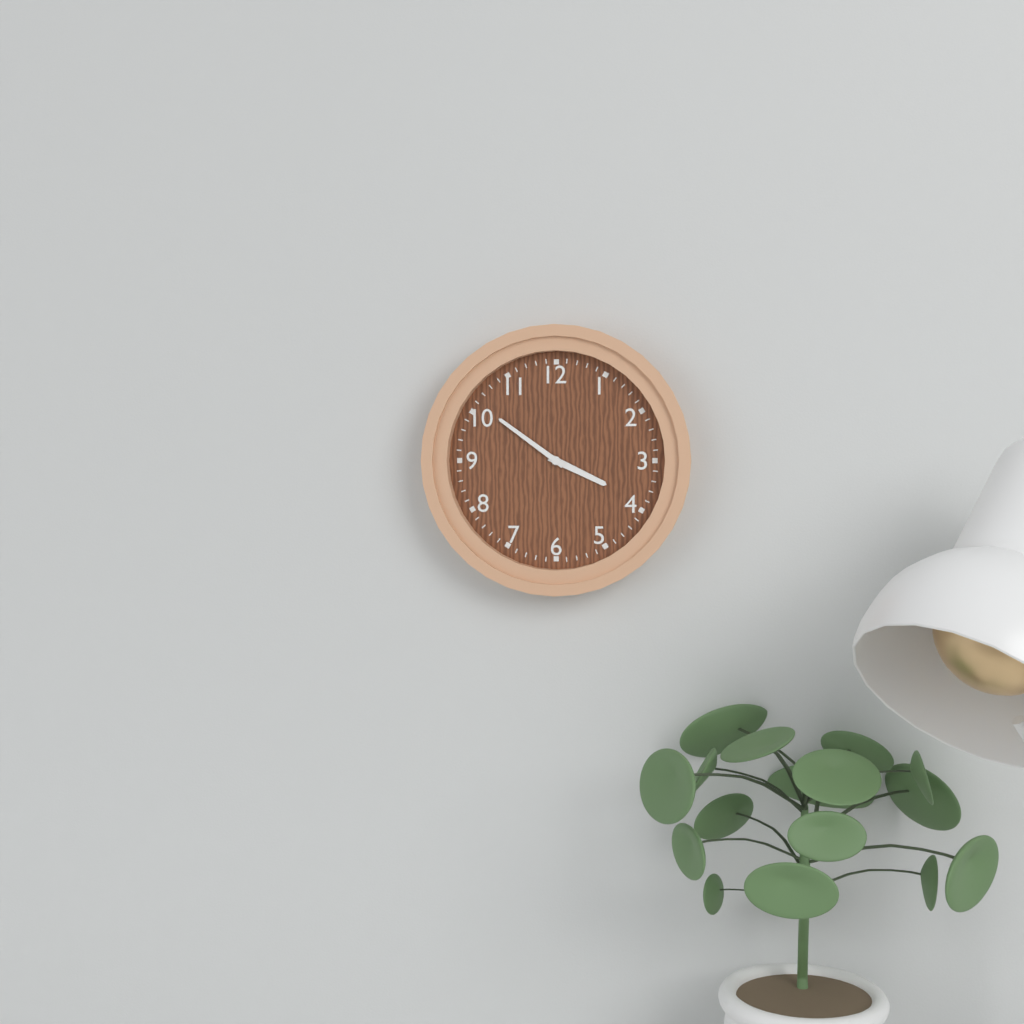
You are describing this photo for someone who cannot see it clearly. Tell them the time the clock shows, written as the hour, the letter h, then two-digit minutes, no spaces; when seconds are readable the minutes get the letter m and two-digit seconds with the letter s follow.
3h51
